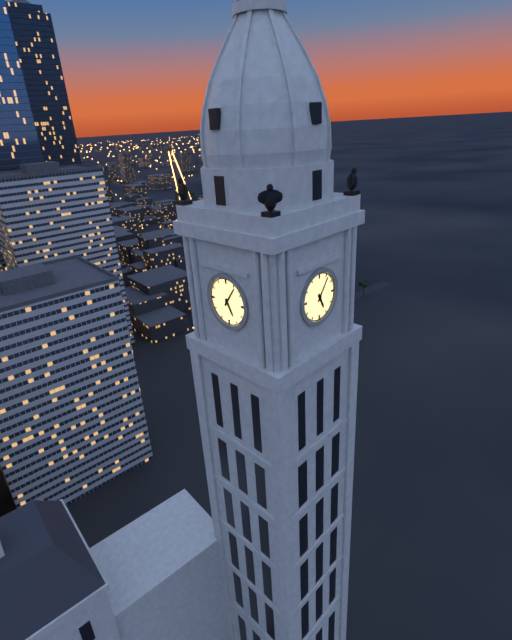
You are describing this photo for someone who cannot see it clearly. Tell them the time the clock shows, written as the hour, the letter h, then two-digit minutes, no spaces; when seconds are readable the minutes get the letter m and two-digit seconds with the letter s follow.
5h06
